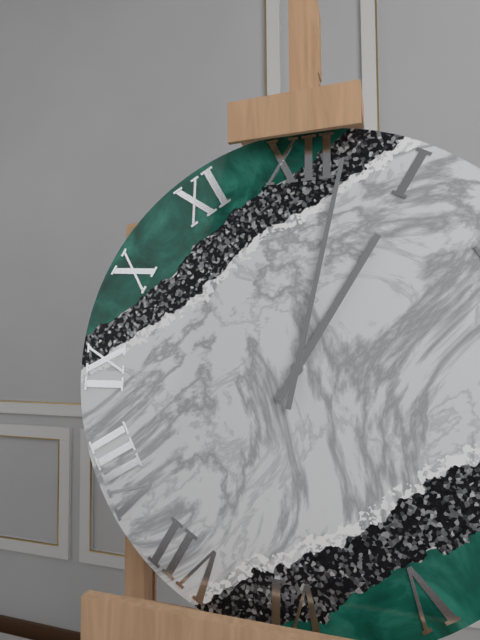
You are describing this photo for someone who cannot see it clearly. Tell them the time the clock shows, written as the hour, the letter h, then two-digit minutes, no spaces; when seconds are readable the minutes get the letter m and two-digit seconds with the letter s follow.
1h02
